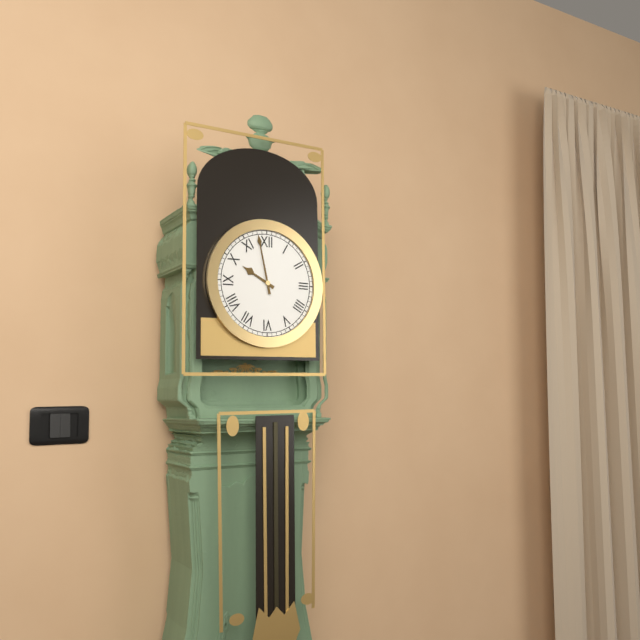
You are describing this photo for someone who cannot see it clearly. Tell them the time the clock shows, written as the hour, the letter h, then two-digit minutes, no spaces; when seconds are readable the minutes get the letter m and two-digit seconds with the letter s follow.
9h58
